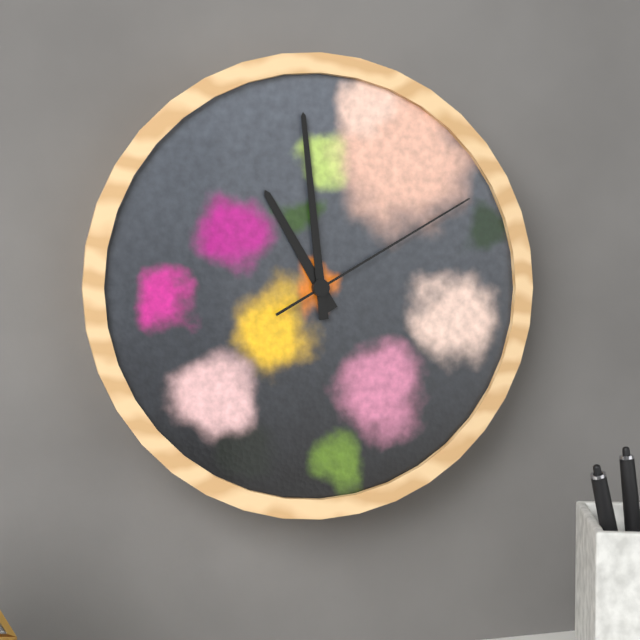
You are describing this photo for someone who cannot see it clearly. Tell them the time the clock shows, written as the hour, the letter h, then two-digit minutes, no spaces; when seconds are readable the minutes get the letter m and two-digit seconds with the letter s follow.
10h59m10s
